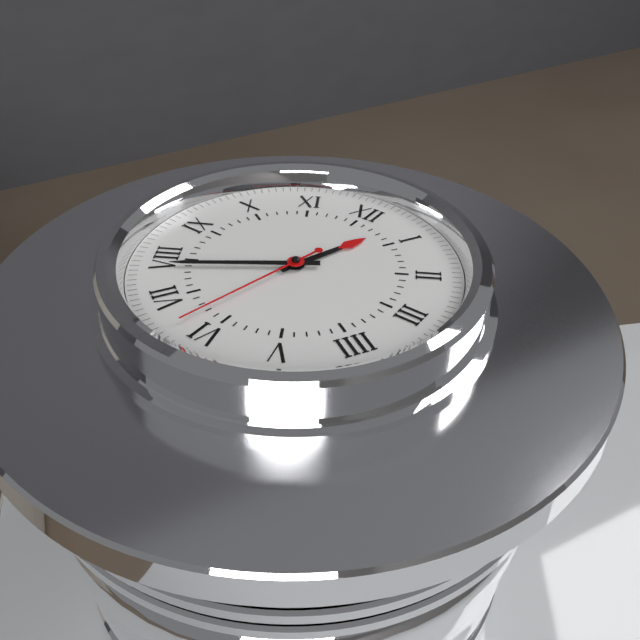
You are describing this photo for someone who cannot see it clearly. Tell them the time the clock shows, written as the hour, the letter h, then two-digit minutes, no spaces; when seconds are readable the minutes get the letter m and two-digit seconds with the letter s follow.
12h39m32s
